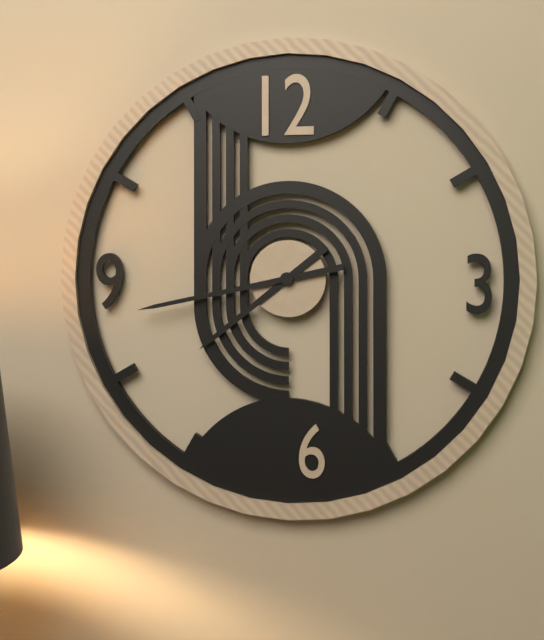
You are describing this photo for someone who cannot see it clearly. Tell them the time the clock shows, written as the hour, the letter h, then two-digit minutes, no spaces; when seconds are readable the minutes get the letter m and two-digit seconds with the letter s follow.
7h43
